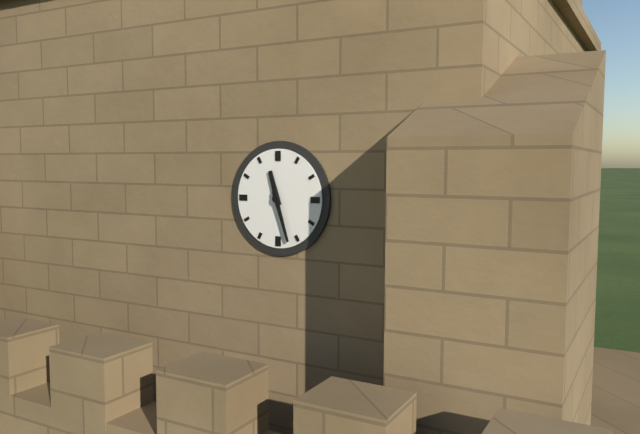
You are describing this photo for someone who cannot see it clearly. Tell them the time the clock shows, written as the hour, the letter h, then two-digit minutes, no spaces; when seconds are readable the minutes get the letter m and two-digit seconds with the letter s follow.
11h27
